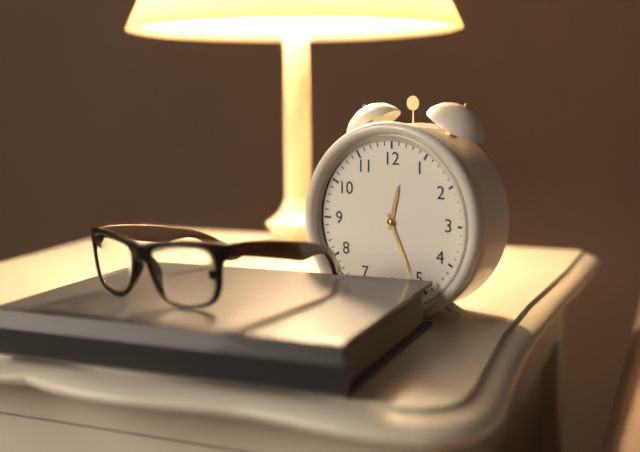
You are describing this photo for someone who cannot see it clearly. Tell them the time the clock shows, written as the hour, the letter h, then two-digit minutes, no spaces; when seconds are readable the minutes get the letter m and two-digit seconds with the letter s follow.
12h26
